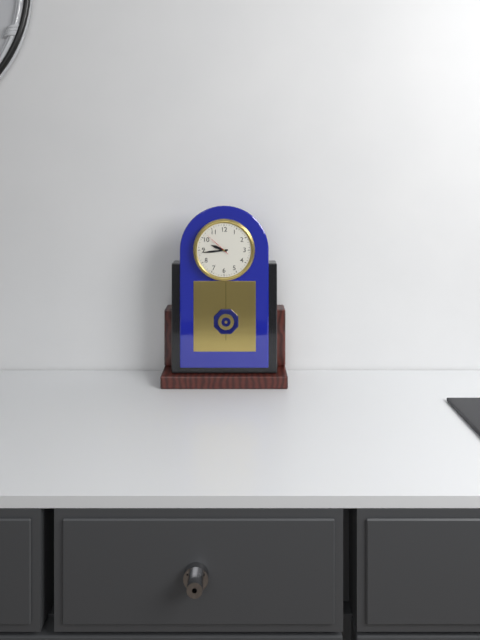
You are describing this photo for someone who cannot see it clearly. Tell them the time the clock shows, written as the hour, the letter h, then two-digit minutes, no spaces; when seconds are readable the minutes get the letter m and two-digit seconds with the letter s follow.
9h44
